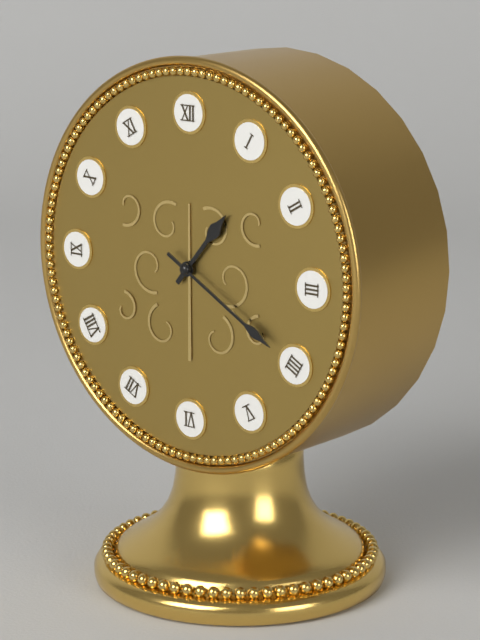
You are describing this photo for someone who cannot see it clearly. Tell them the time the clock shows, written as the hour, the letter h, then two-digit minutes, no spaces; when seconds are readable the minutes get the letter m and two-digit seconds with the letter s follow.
1h20
